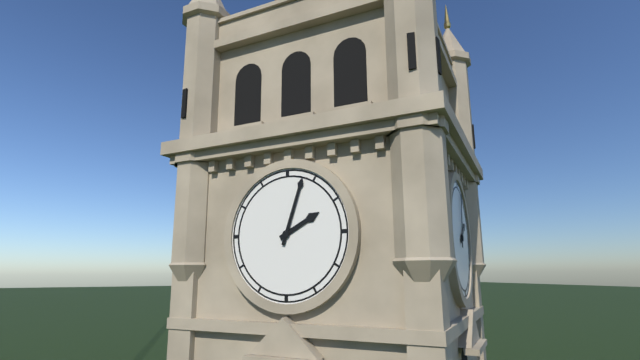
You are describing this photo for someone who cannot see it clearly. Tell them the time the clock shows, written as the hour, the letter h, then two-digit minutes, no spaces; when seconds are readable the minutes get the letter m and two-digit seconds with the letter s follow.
2h03
